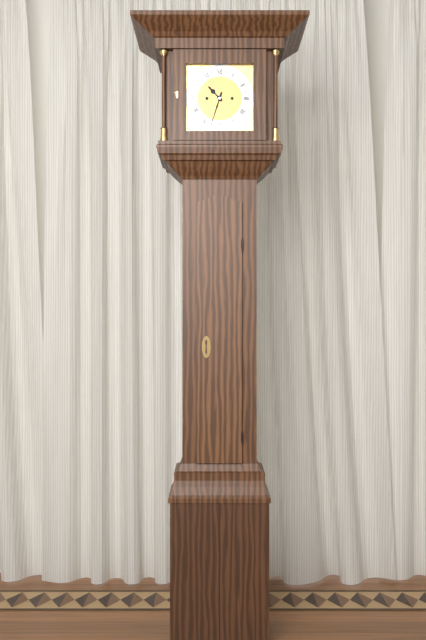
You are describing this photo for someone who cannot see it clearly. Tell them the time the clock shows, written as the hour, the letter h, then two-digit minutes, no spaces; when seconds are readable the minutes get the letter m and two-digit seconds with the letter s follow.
10h33
